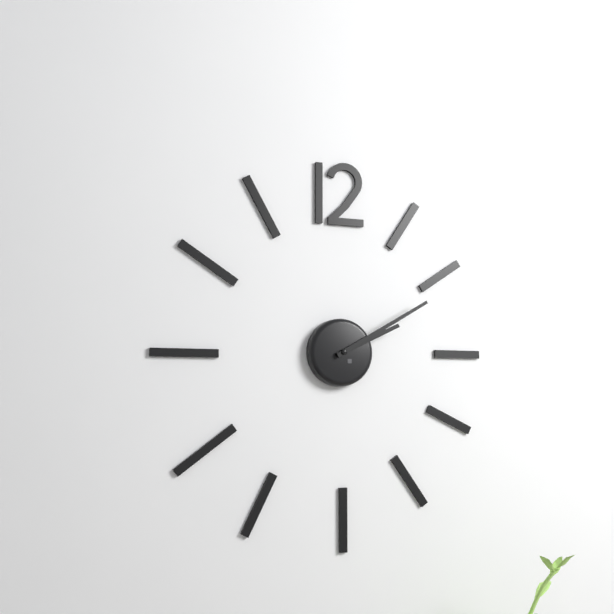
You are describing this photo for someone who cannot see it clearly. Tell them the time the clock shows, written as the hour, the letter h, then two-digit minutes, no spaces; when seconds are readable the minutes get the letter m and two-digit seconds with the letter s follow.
2h10
